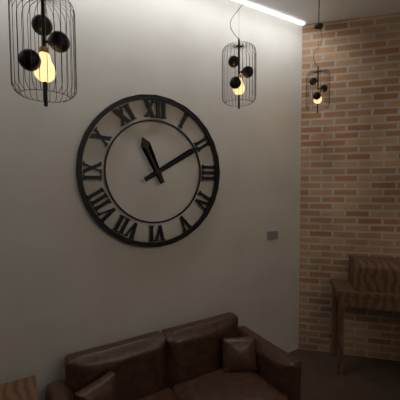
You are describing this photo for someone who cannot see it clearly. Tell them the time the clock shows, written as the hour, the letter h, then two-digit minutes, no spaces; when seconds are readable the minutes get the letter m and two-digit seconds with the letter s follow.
11h10
